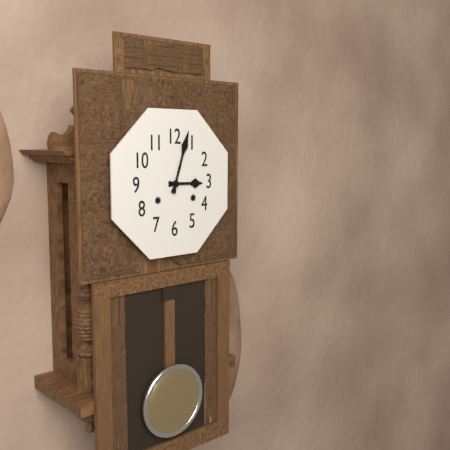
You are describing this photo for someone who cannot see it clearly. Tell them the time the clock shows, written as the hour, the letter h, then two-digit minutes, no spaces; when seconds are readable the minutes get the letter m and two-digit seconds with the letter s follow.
3h03
